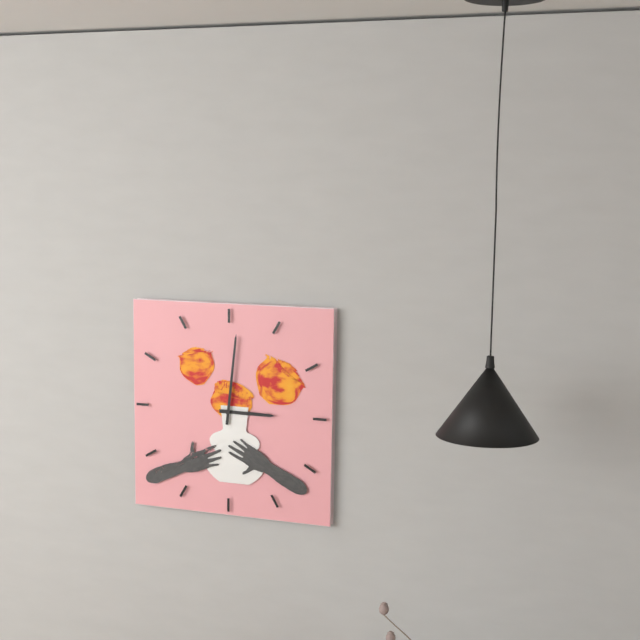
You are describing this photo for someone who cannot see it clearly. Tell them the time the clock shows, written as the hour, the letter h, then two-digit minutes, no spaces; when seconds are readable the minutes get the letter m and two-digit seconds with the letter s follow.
3h01
